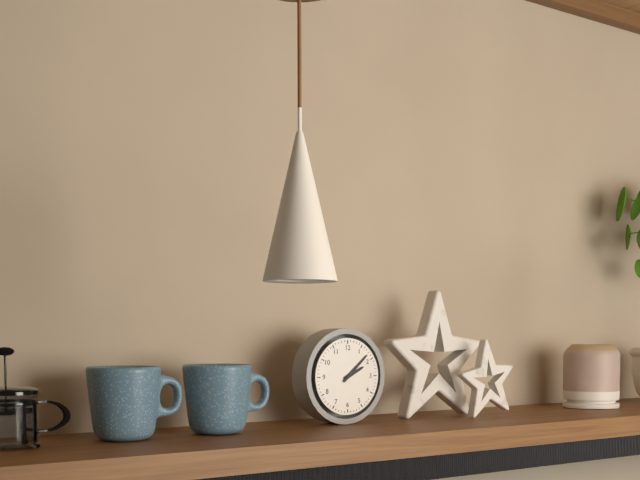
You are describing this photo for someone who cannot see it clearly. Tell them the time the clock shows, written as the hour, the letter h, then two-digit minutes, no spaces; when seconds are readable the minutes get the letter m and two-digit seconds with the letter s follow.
2h08
